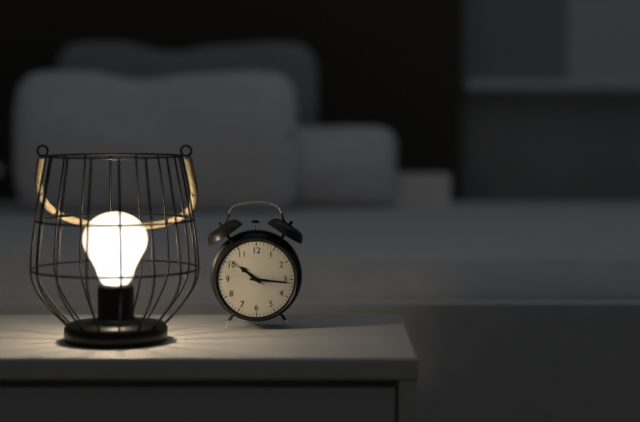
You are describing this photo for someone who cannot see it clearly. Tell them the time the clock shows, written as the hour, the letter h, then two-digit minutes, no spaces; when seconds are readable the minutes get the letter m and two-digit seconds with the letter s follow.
10h16
